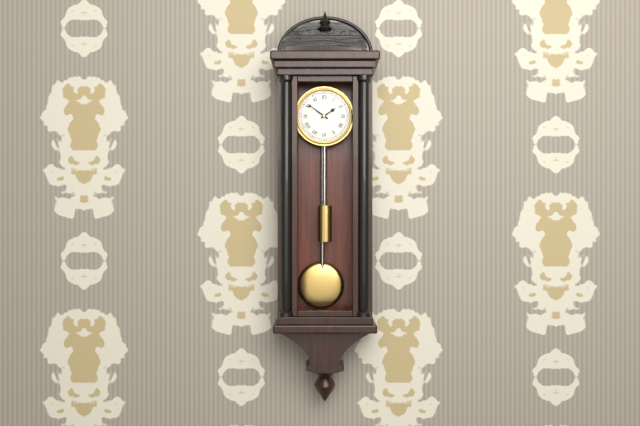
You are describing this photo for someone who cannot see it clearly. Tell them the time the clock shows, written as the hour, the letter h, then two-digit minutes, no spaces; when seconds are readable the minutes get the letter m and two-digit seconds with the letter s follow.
1h51
